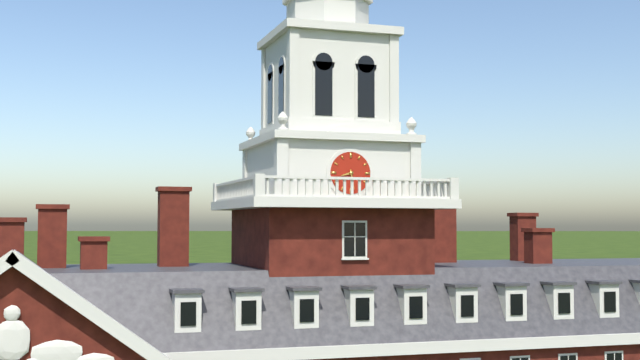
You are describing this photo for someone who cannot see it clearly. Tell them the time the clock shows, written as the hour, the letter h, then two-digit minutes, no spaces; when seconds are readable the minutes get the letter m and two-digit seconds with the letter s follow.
8h28
